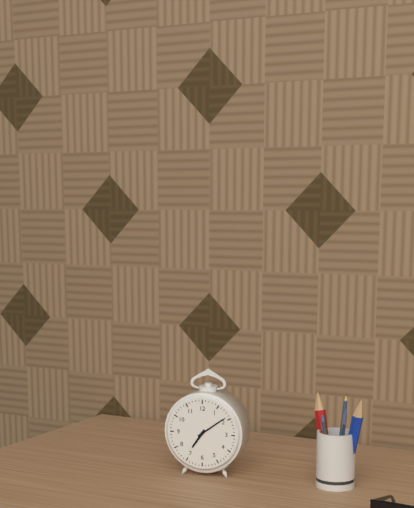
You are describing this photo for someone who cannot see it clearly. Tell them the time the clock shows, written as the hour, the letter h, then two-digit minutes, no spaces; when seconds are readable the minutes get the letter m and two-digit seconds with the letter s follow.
7h09
